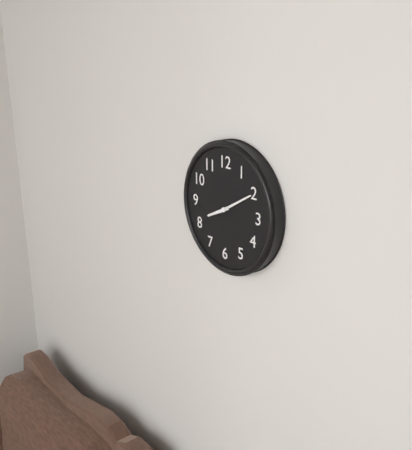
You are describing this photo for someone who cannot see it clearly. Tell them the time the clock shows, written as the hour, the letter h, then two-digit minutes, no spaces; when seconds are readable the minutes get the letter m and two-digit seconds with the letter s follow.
8h10
